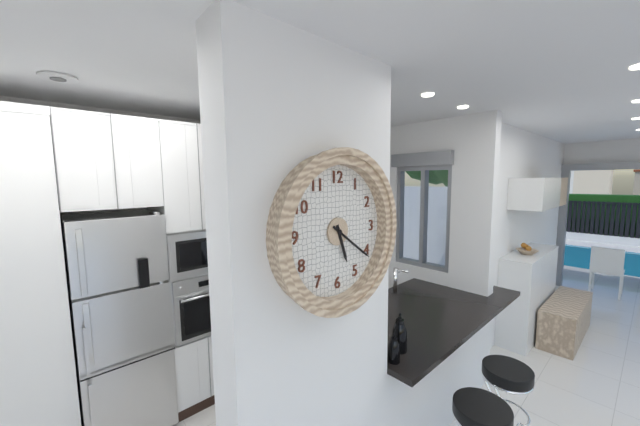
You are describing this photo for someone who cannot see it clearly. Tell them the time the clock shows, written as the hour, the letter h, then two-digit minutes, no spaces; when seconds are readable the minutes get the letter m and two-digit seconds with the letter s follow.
5h21
